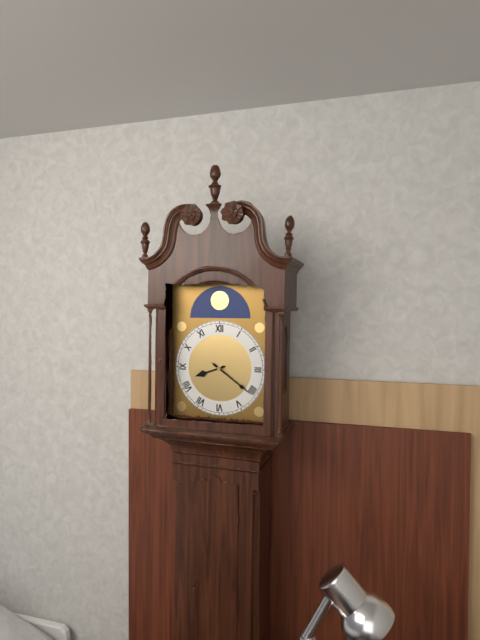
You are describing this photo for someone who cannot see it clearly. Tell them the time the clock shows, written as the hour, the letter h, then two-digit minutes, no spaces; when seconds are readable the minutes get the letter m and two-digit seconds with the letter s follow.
8h21
